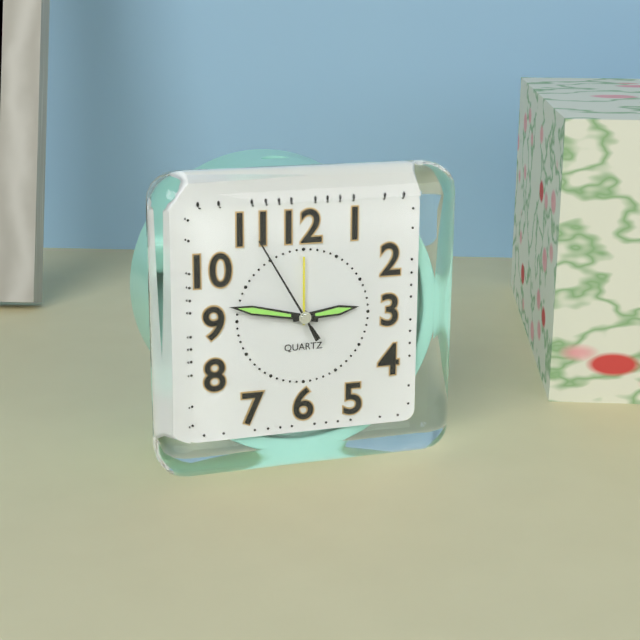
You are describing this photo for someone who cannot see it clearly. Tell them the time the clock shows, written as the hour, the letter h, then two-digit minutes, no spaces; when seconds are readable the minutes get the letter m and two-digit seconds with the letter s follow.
2h47m55s
